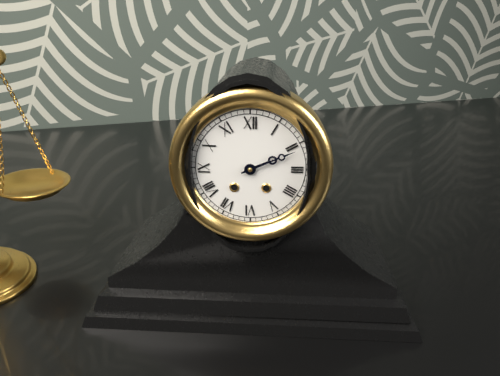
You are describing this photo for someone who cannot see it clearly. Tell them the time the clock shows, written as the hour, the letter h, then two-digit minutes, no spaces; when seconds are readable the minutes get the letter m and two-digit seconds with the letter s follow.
2h11
